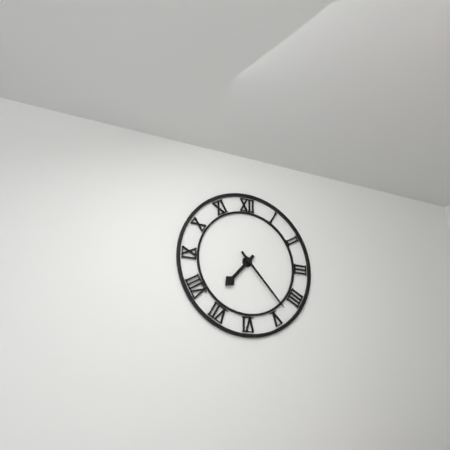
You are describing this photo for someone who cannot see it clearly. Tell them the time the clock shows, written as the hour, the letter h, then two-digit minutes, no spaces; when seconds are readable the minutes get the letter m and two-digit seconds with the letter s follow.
7h23
